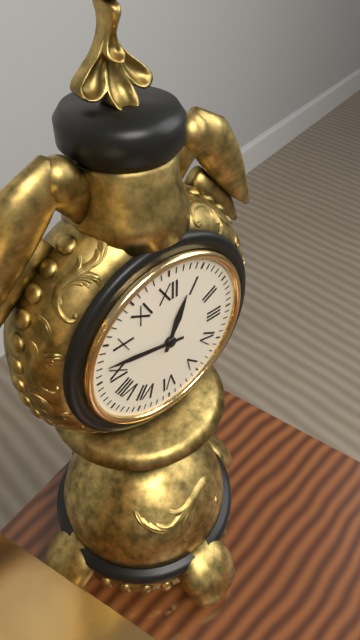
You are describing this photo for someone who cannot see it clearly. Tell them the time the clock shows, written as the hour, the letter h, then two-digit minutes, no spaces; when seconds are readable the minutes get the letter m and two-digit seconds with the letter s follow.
12h47
